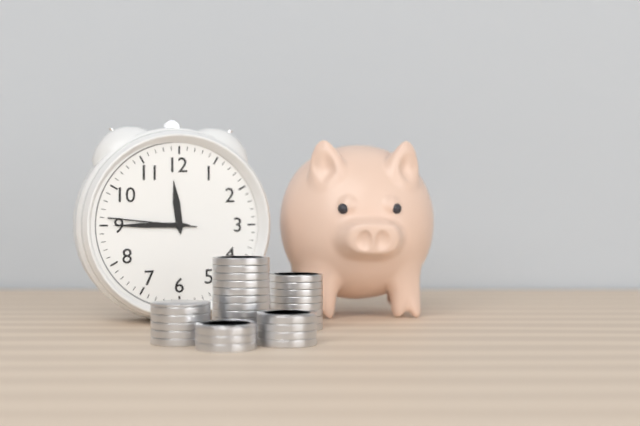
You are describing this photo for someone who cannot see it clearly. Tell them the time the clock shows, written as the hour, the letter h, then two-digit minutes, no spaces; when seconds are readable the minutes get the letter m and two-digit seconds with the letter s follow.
11h45m46s
